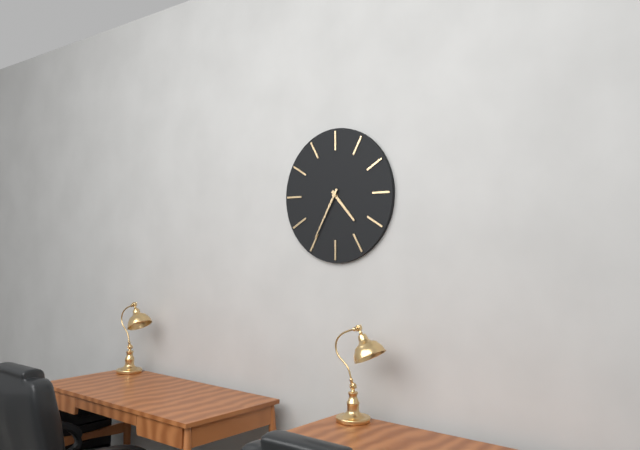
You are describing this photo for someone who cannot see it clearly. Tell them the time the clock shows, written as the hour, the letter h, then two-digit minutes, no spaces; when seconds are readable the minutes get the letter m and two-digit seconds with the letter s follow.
4h35
